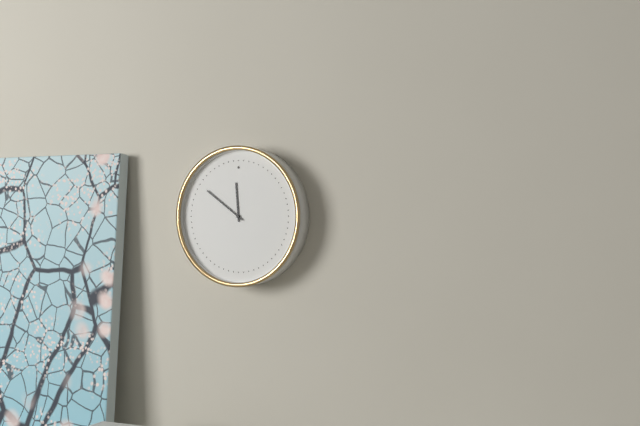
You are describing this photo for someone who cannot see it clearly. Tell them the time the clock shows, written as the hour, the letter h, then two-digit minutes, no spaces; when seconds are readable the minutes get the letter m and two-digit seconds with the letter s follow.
11h51
